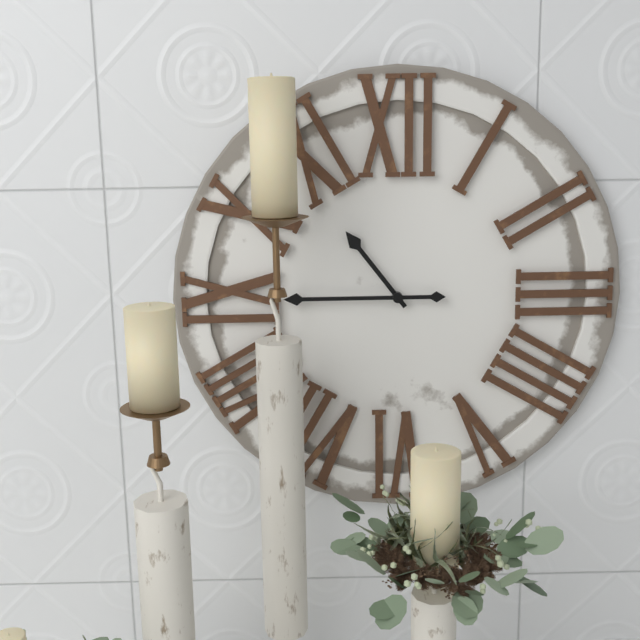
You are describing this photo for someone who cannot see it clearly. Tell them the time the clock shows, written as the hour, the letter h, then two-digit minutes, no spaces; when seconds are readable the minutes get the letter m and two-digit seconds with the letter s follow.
10h45
